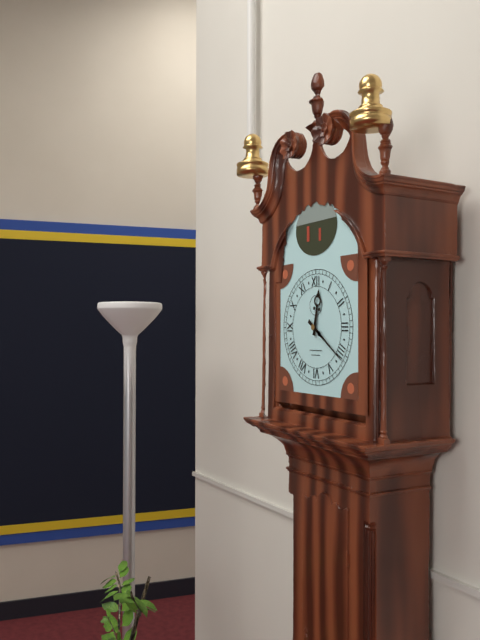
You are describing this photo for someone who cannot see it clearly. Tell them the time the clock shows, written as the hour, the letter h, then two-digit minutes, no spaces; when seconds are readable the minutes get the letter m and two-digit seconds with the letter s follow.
12h21
